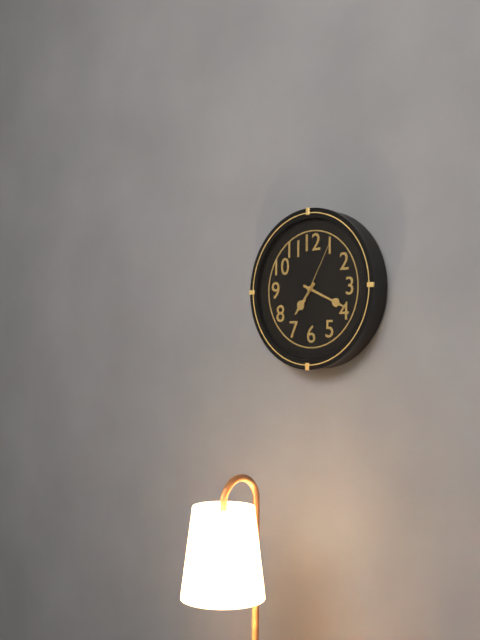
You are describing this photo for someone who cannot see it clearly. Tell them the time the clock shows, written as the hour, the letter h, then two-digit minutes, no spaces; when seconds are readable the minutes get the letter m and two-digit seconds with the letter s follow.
7h19m05s
